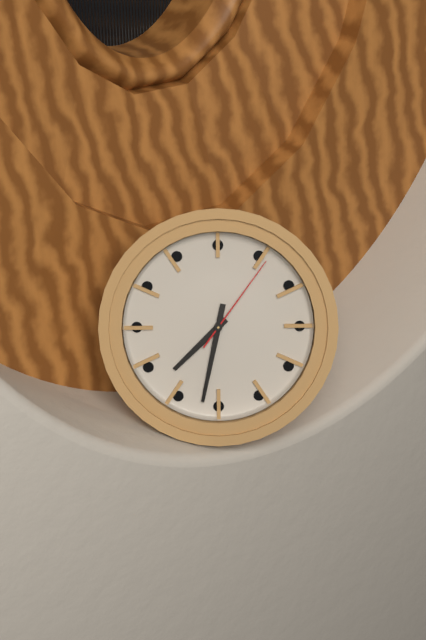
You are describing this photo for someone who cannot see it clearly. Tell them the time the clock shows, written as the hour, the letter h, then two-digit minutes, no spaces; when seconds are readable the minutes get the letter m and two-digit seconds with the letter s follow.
7h32m06s
